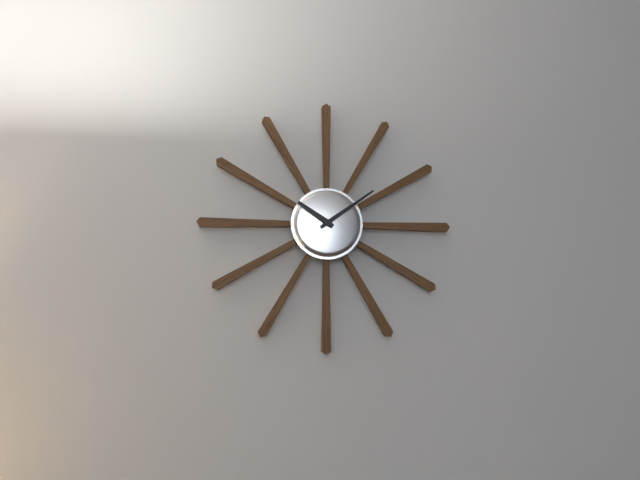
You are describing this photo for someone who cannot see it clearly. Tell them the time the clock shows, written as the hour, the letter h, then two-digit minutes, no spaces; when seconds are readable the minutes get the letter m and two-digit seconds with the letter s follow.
10h09
